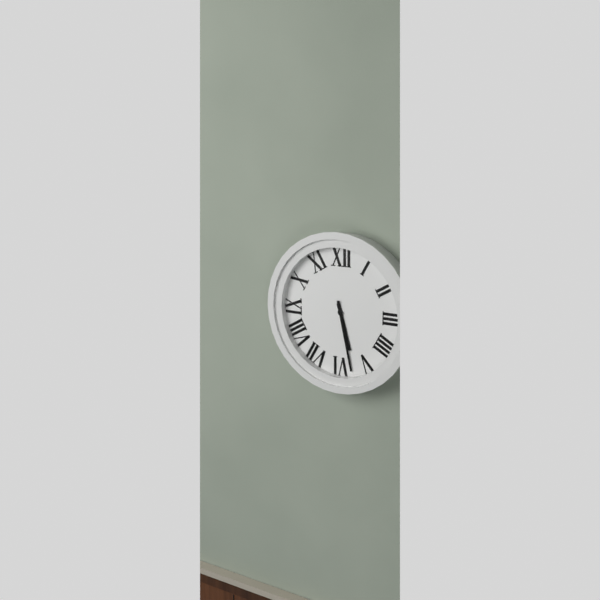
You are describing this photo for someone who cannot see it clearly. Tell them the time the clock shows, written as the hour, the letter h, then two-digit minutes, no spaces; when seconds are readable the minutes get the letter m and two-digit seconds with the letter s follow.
5h28
